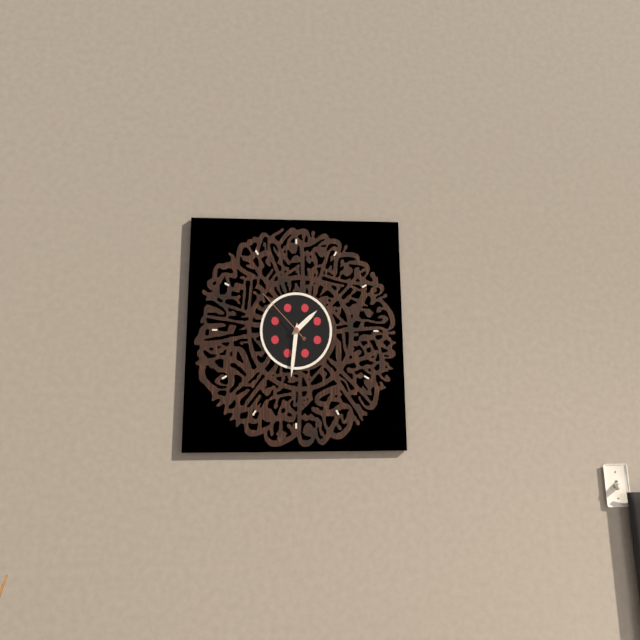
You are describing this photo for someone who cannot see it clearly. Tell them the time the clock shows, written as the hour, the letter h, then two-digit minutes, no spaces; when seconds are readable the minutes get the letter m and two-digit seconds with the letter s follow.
1h31m53s
